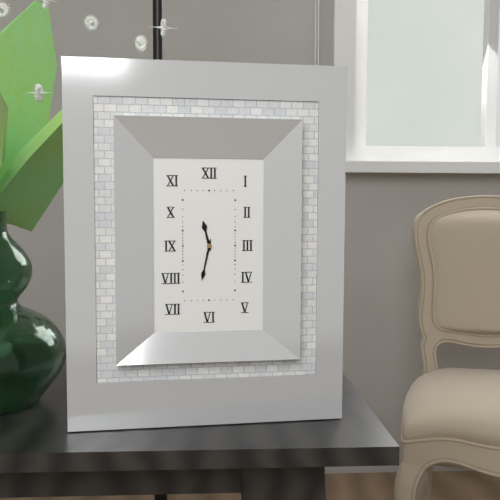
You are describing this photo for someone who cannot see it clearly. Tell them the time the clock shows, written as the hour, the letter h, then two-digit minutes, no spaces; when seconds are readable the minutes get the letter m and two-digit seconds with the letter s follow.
11h32
